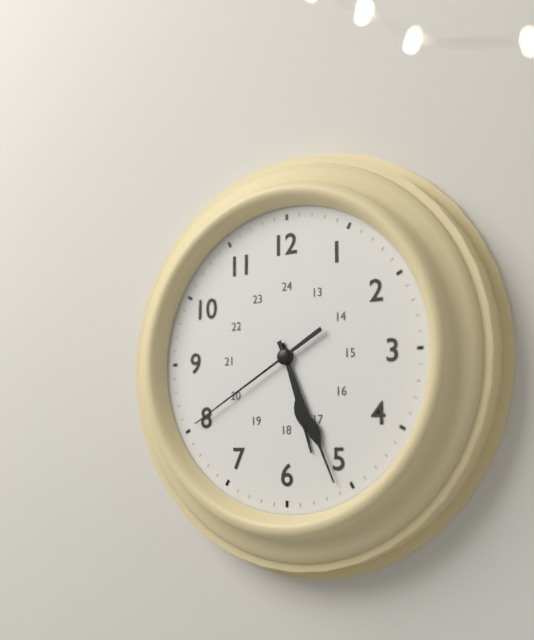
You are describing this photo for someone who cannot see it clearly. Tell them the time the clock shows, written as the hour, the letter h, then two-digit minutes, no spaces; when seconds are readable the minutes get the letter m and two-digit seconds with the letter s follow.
5h26m40s
